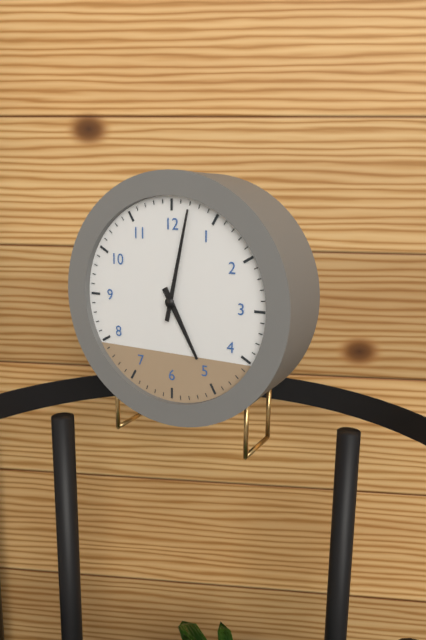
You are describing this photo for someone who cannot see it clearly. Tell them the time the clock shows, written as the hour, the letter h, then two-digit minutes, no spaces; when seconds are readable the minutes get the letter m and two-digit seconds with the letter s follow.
5h02
